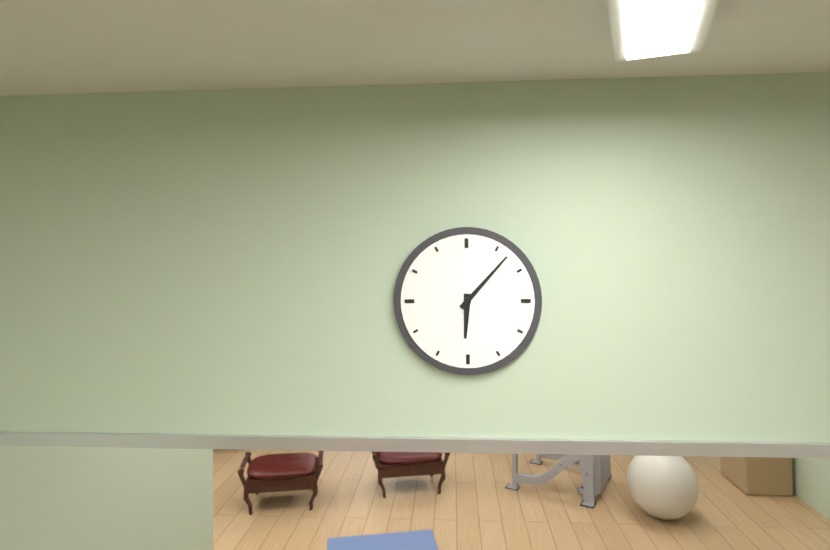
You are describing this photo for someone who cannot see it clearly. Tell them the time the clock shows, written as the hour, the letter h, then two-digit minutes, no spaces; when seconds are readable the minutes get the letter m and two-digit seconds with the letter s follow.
6h07
